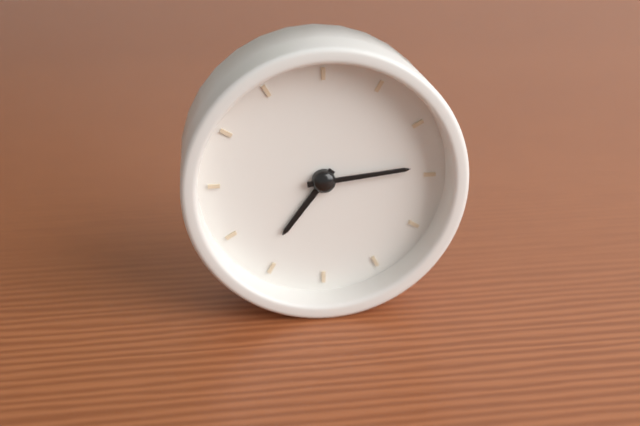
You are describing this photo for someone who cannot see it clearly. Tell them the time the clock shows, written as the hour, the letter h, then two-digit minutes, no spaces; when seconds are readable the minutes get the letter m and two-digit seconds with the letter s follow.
7h14
